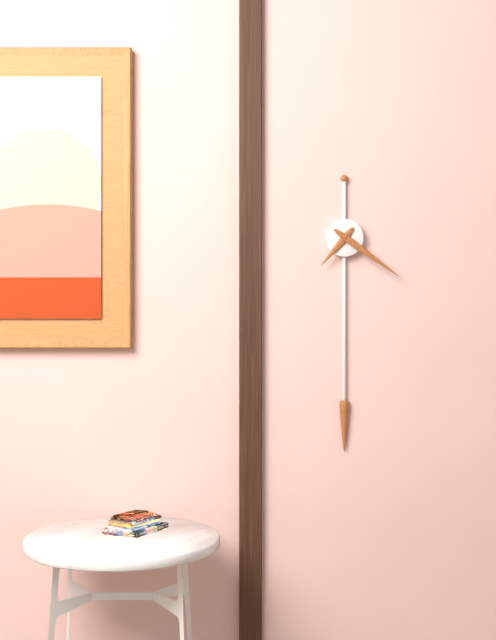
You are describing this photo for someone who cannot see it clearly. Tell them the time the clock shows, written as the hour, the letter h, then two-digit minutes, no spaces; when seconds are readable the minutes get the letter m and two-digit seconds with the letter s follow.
7h21
